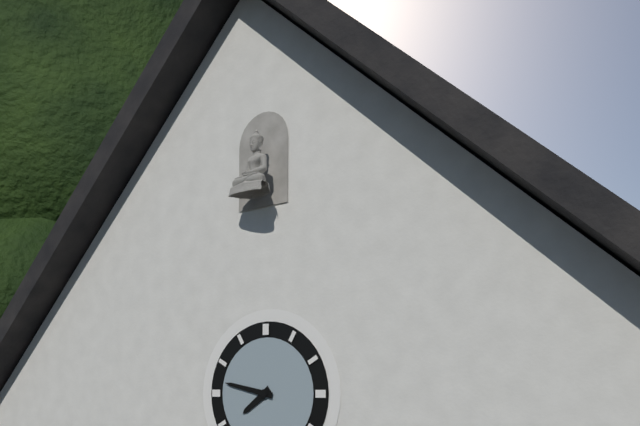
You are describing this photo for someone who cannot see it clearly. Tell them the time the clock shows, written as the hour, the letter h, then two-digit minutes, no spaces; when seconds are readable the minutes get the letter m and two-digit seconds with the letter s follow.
7h47
